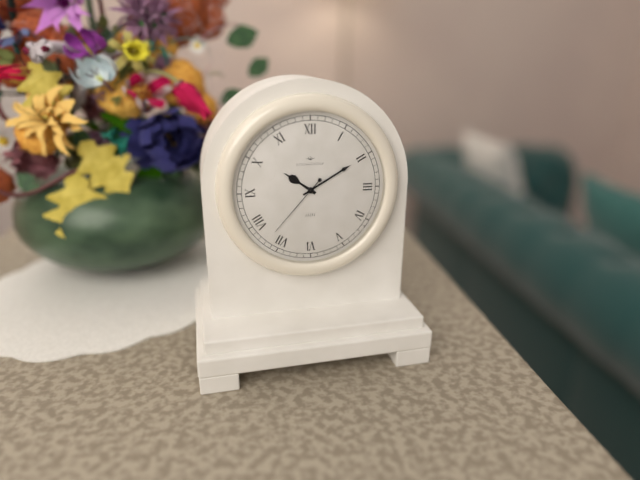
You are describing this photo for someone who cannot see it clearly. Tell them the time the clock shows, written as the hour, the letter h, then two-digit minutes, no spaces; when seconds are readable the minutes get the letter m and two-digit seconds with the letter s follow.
10h10m37s
